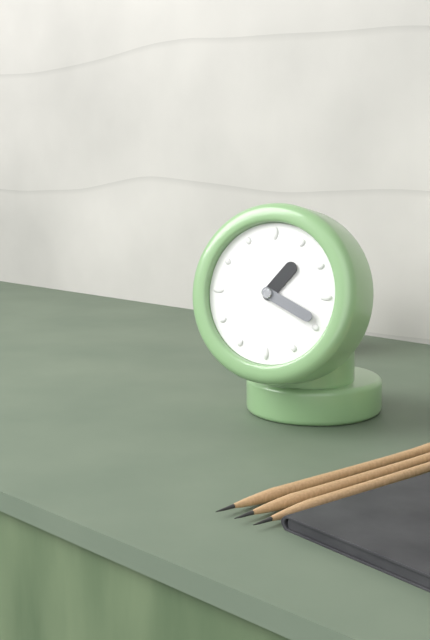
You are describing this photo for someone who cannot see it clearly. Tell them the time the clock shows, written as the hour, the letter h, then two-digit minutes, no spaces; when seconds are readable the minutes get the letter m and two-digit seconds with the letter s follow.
1h19
